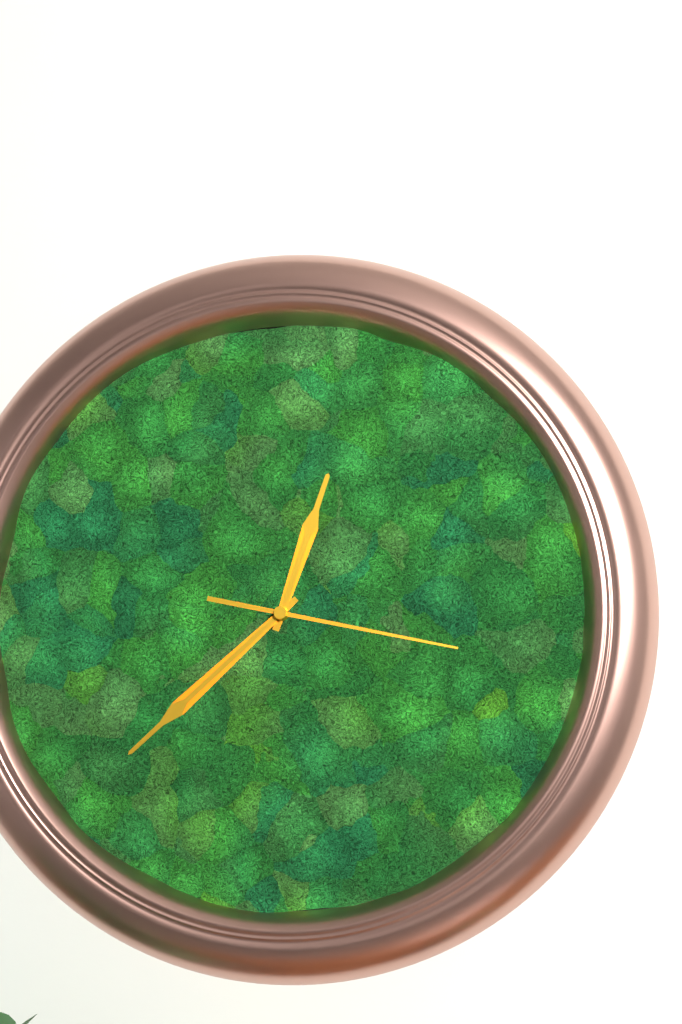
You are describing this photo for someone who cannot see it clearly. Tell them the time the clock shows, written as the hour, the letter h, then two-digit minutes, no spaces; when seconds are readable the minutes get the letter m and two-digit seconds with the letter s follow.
12h38m17s
